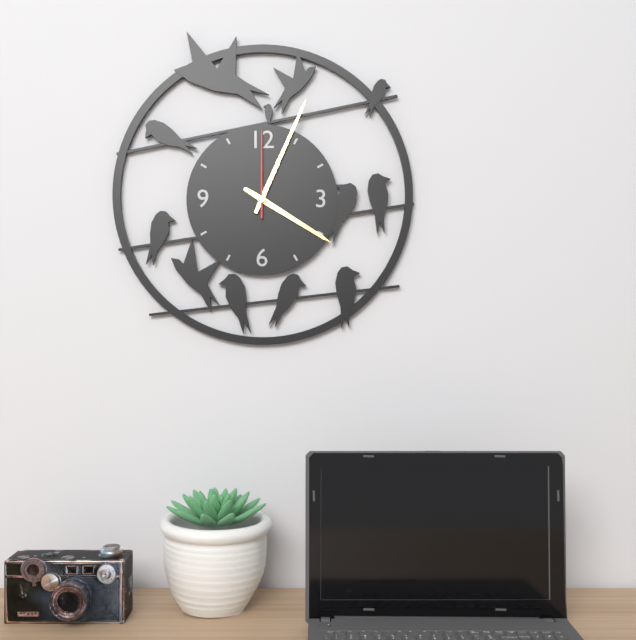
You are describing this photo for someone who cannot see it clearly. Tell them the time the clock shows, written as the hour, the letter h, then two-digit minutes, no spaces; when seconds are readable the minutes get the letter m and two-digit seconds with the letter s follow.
4h04m00s
